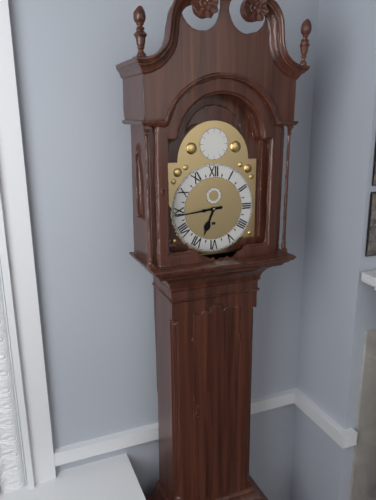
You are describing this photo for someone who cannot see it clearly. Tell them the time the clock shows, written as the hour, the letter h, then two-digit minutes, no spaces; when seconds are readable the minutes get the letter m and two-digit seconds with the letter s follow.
6h44
